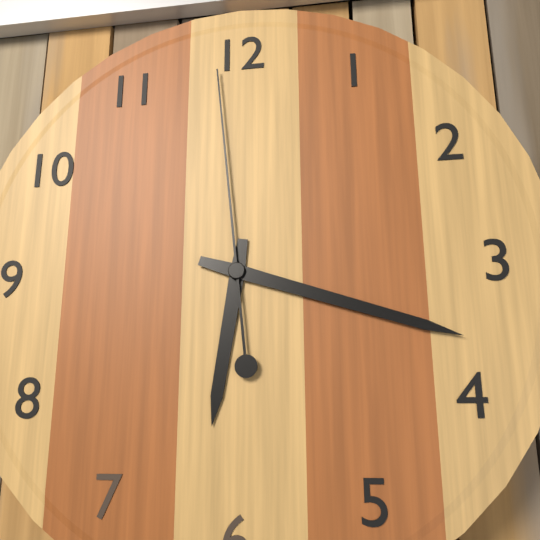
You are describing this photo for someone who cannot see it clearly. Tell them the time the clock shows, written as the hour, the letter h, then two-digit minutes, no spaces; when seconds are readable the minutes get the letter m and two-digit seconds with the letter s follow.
6h18m59s
